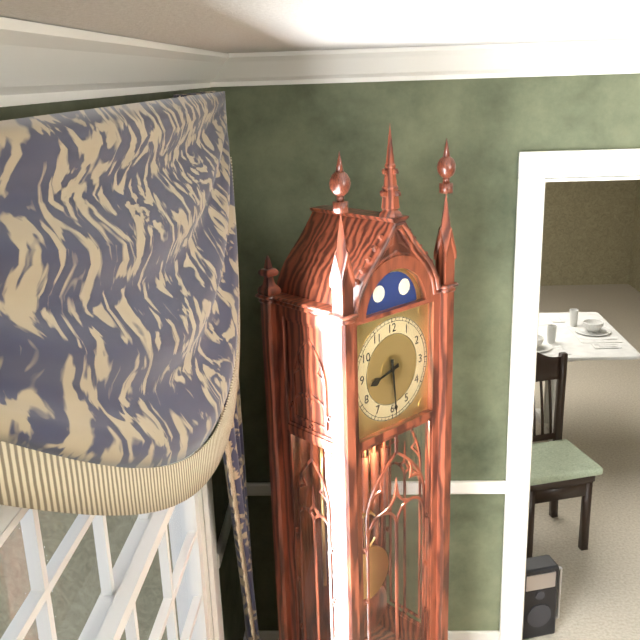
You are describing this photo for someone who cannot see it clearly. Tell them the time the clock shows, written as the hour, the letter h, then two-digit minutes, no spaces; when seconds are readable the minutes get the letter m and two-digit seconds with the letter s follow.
8h29
